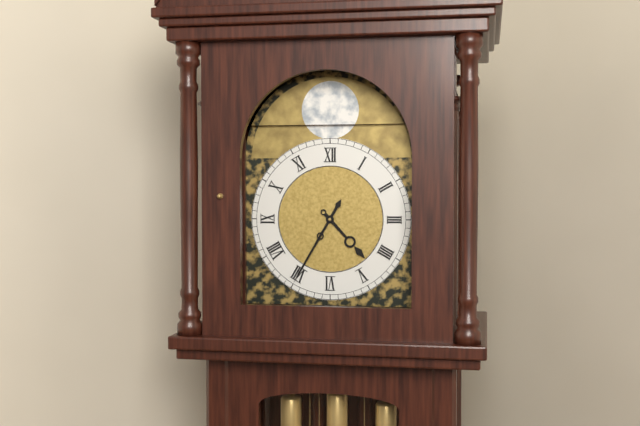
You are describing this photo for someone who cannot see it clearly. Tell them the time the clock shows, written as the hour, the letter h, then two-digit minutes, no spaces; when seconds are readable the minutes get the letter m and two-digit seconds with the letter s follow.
4h35
